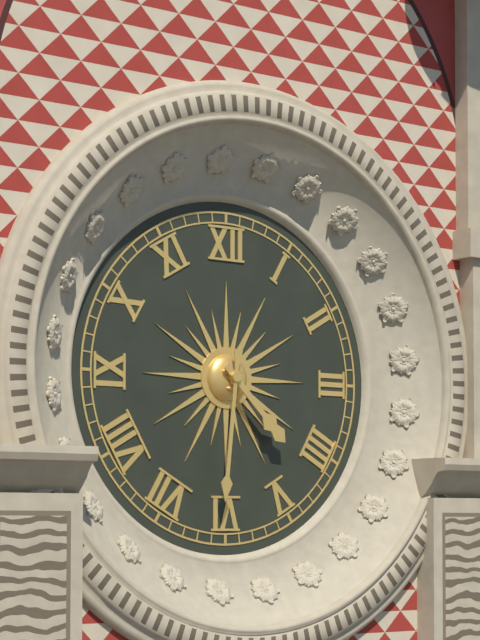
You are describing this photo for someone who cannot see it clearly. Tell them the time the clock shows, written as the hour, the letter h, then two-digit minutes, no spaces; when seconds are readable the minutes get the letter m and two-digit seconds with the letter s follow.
4h31
